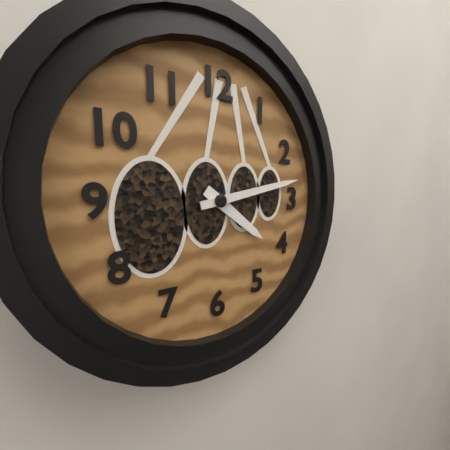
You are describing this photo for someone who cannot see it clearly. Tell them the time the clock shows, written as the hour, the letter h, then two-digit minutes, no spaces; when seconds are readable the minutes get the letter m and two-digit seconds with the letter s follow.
4h13
